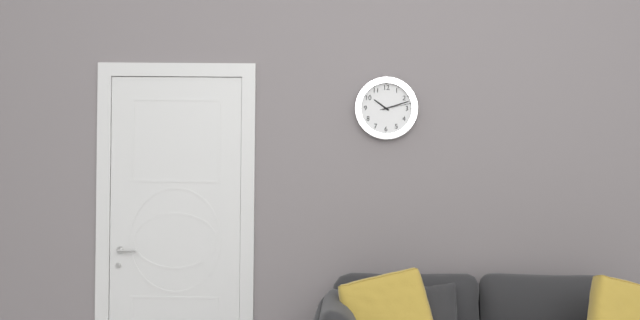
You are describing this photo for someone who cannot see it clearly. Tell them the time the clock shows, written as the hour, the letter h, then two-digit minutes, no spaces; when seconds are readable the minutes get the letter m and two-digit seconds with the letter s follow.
10h12
